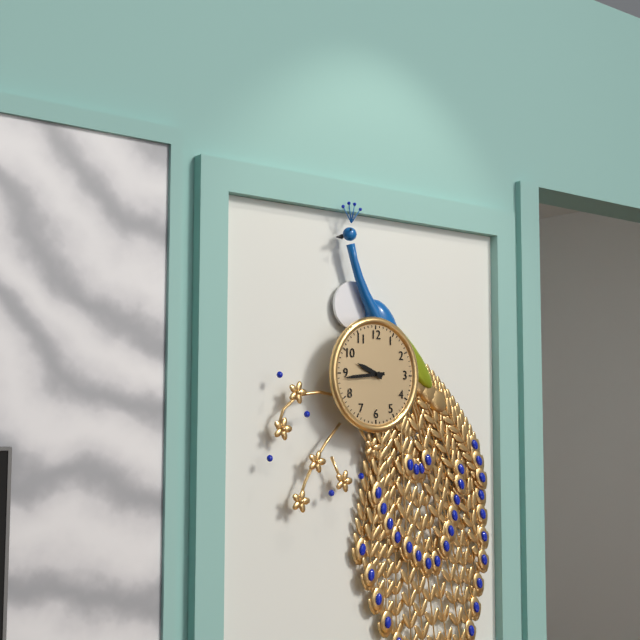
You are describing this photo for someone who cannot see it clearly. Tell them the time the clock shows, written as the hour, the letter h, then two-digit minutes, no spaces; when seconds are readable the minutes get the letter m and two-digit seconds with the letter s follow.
9h44
